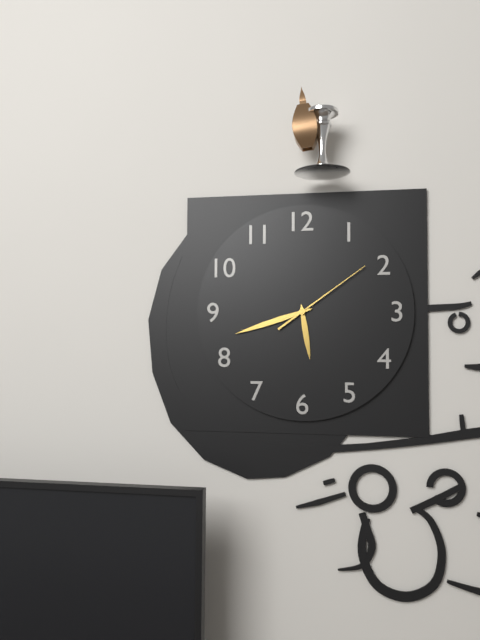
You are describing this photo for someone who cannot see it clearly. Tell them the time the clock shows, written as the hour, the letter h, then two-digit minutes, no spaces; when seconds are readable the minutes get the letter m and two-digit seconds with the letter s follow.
5h42m09s
